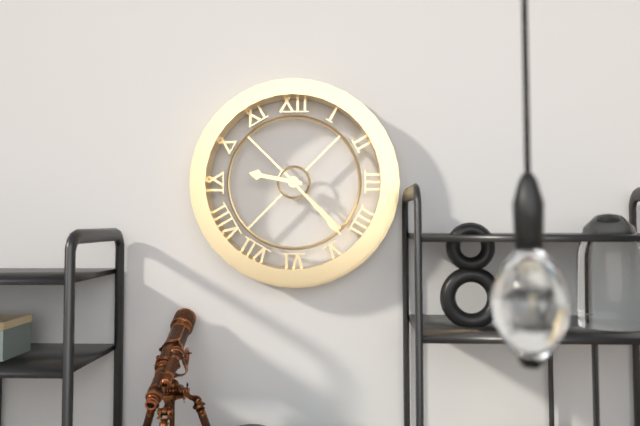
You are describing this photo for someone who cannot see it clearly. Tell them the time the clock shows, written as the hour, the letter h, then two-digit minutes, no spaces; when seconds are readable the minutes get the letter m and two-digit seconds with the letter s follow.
9h23
